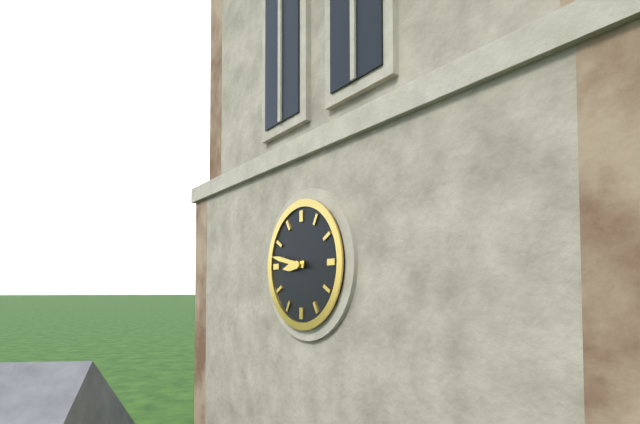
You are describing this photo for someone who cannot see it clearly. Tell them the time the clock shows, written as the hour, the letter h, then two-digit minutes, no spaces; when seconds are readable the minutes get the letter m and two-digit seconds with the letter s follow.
8h47
